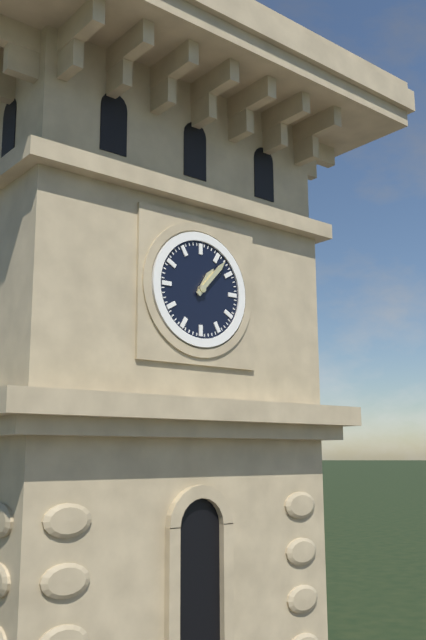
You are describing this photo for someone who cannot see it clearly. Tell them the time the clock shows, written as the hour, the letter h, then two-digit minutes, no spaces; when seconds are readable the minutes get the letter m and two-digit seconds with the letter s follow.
1h07
